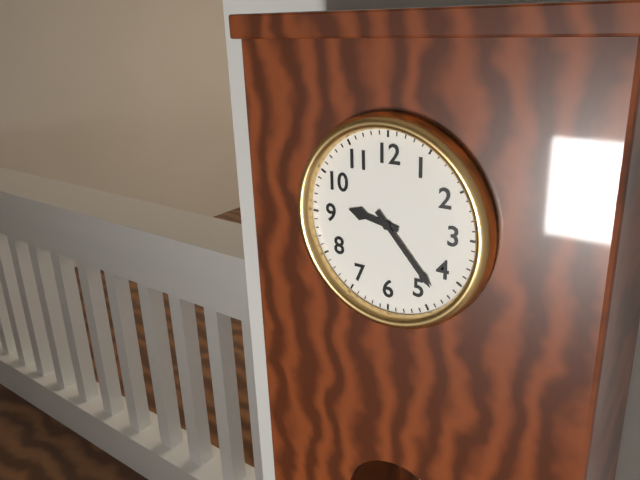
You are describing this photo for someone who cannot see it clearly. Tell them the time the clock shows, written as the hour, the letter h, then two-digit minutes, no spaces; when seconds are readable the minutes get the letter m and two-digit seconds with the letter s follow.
9h23
